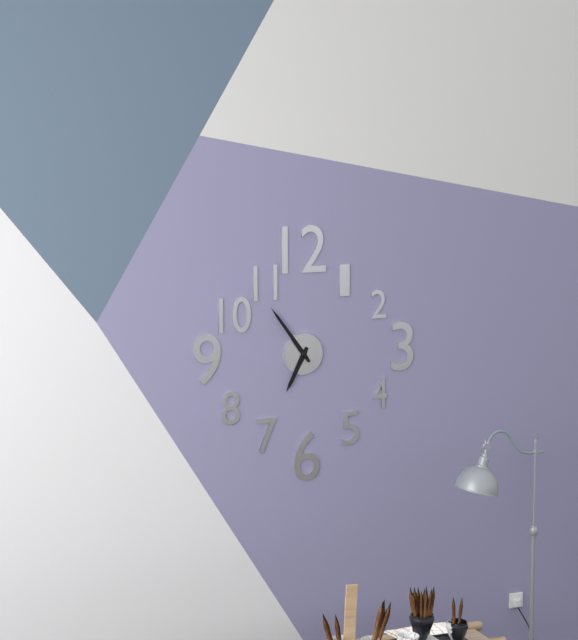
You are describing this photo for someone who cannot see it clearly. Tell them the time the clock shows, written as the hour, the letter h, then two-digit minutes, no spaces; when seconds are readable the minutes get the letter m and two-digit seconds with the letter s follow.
6h54
